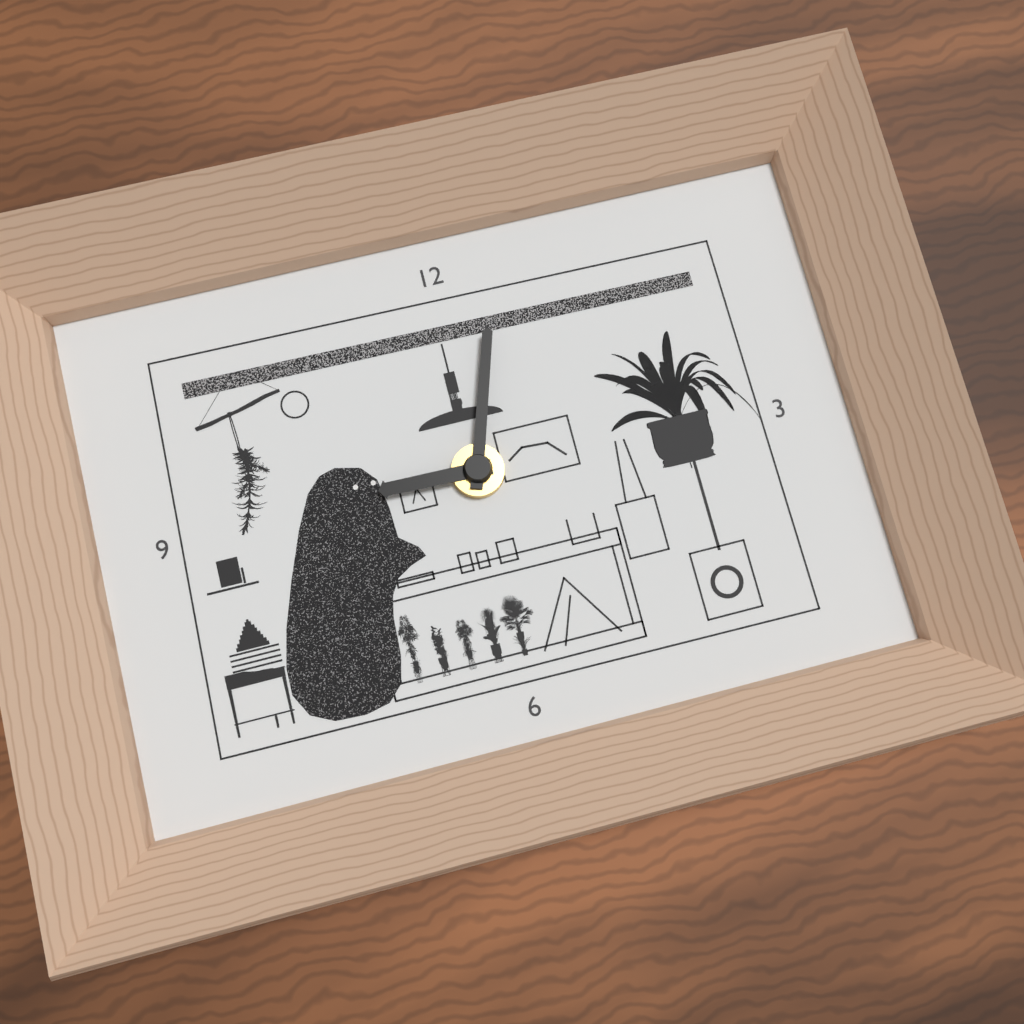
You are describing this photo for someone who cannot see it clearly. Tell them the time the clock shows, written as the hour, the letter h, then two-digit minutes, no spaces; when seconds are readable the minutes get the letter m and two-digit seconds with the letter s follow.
9h03
